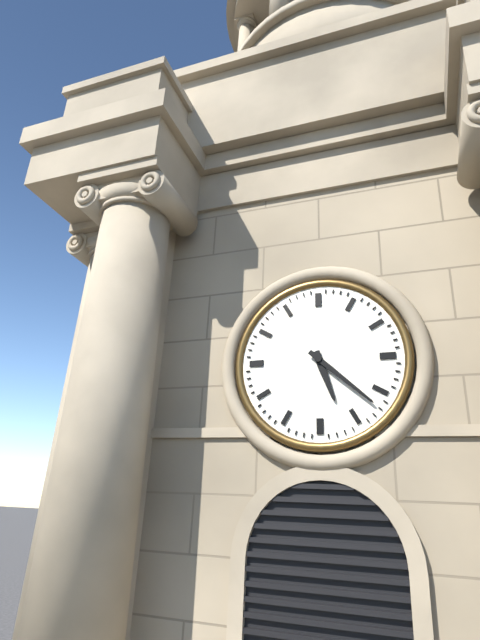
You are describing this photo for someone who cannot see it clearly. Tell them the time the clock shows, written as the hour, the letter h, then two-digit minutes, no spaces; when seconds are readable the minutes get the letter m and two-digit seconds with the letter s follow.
5h22
